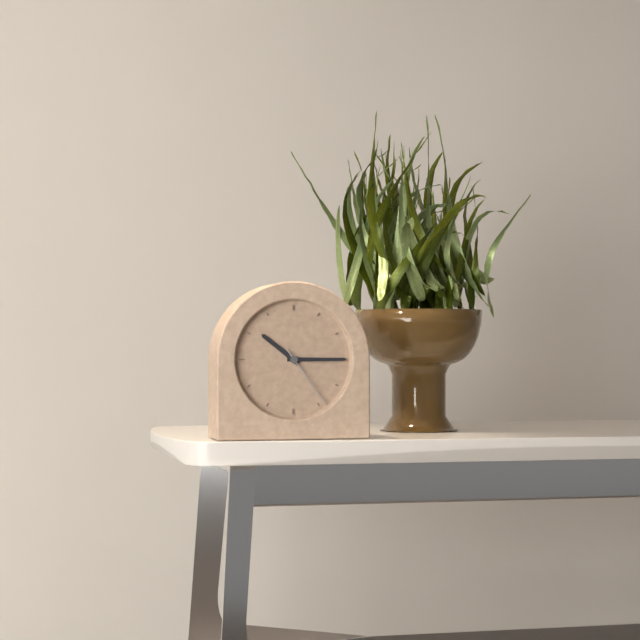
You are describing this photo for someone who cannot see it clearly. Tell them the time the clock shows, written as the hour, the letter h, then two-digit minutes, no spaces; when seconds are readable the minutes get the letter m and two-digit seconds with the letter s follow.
10h15m24s
